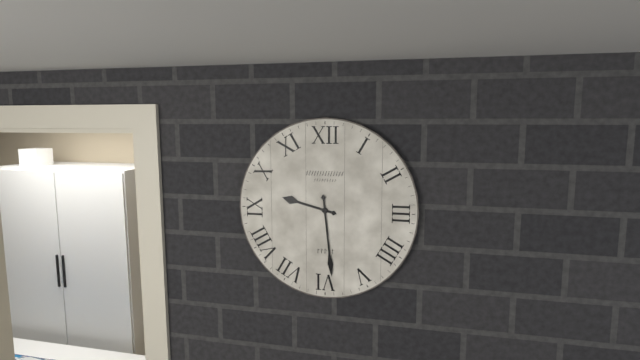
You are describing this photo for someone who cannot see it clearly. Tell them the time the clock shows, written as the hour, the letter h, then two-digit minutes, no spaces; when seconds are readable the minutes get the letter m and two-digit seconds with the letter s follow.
9h29
